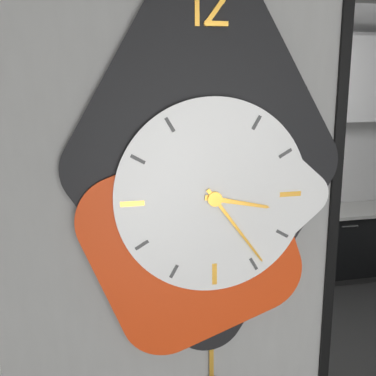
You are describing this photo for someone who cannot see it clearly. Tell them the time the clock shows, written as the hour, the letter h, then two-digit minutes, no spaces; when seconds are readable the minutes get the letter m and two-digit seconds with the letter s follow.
3h24
